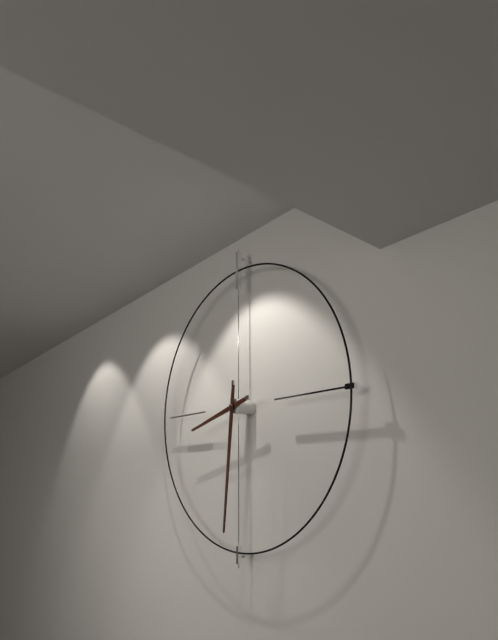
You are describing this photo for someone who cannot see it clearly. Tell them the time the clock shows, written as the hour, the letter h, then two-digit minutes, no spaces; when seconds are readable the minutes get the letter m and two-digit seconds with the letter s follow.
8h31
